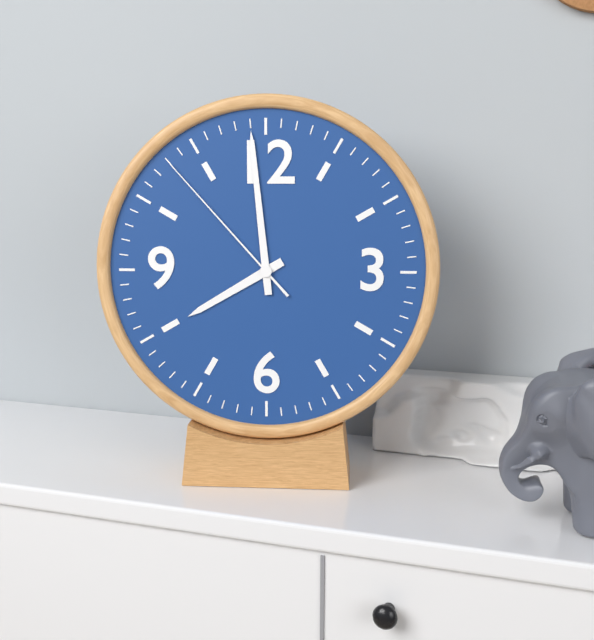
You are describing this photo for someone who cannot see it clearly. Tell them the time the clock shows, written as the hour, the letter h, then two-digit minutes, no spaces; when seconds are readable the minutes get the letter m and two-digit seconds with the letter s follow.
7h59m53s
